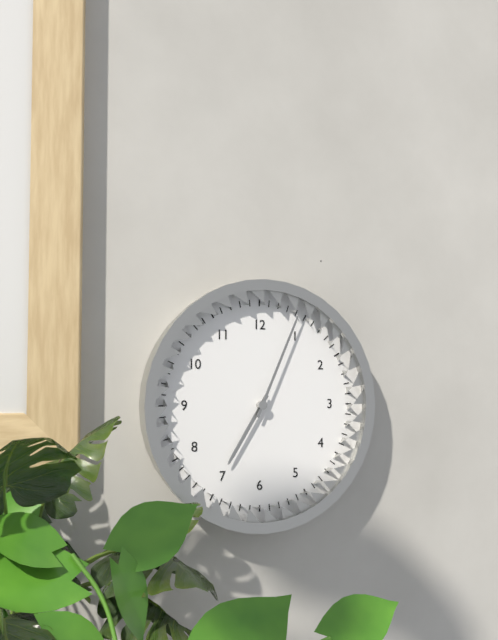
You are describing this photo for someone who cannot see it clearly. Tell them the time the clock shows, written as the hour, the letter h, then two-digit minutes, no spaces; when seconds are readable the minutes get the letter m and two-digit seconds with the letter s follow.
7h04
